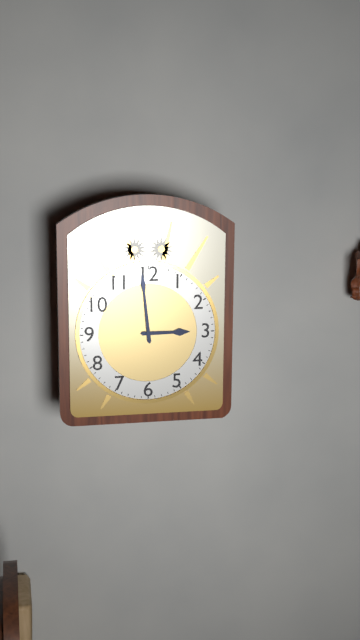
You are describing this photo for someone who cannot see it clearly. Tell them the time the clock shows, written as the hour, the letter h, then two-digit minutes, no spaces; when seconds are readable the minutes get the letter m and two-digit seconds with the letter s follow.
2h59
